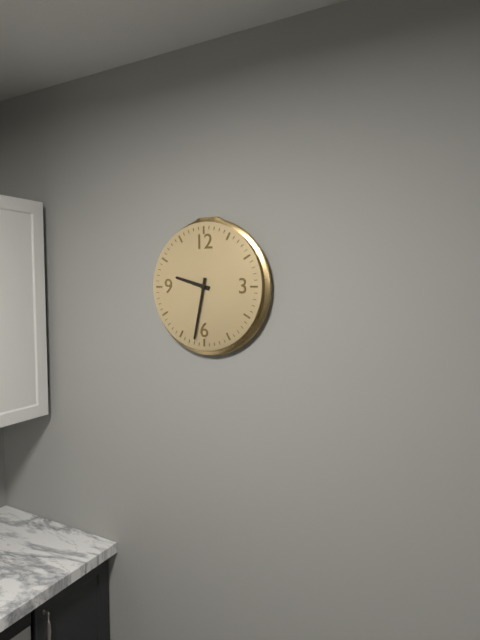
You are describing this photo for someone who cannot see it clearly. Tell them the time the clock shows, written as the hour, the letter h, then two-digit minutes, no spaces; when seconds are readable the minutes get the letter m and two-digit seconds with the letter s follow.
9h32
